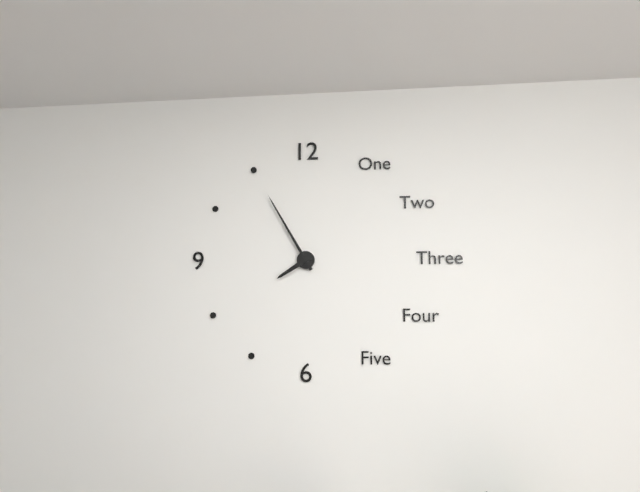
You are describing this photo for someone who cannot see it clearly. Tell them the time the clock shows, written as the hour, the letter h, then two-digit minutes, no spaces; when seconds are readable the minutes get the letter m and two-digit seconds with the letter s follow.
7h55
